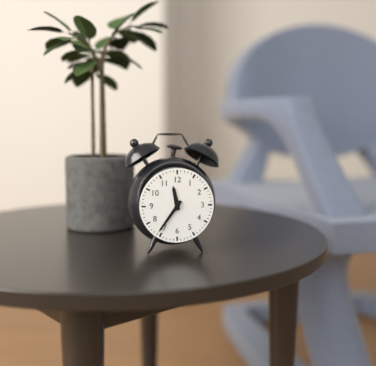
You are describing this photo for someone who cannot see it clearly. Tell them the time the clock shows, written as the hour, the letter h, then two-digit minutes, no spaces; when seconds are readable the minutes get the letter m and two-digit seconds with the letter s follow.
11h36
